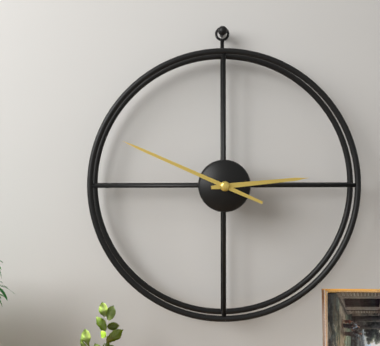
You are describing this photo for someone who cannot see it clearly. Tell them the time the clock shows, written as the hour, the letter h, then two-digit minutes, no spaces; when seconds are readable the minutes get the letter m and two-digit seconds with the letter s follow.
2h49
